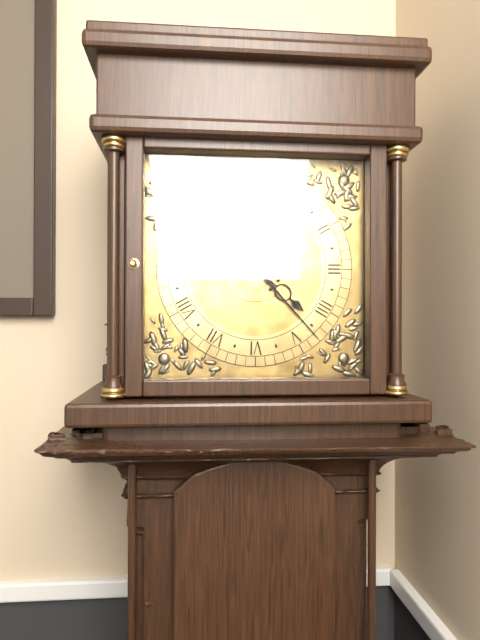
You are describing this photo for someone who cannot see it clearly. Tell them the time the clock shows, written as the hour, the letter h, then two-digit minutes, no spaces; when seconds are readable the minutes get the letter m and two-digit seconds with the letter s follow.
4h23
